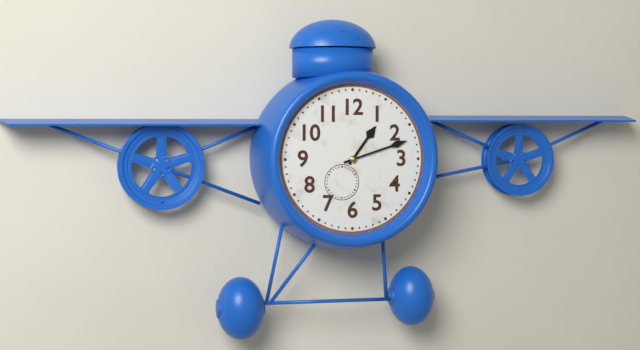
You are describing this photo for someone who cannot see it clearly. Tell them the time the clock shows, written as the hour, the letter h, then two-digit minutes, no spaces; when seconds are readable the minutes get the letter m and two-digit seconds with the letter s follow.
1h12
